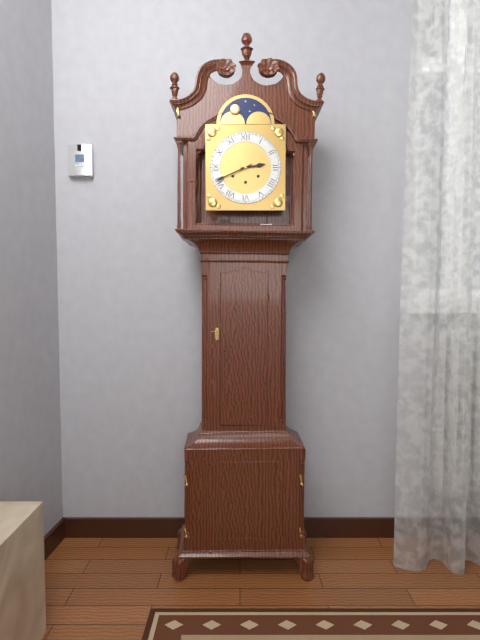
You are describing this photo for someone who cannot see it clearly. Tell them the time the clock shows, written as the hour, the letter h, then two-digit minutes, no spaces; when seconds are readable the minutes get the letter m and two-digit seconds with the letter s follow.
2h41
